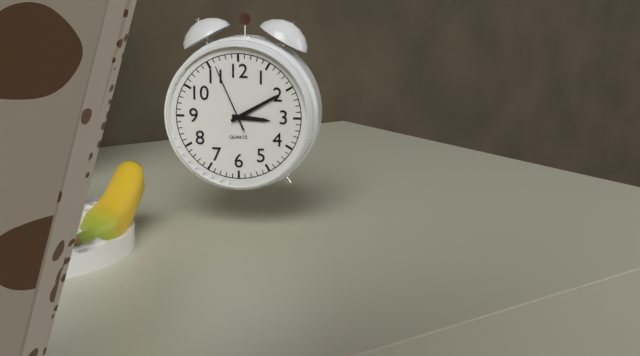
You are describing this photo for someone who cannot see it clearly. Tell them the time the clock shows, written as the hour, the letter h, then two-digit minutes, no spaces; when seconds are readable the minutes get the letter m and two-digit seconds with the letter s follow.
3h10m56s
